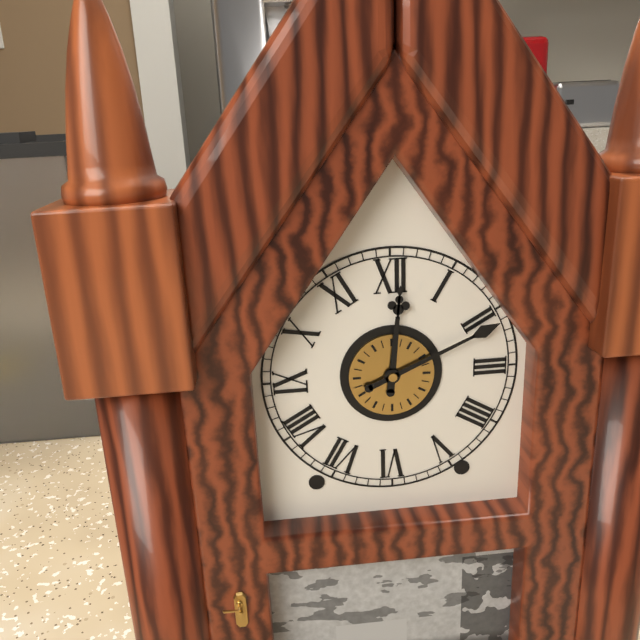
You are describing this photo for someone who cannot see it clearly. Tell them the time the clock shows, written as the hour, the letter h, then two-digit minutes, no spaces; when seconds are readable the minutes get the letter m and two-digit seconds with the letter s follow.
12h11
